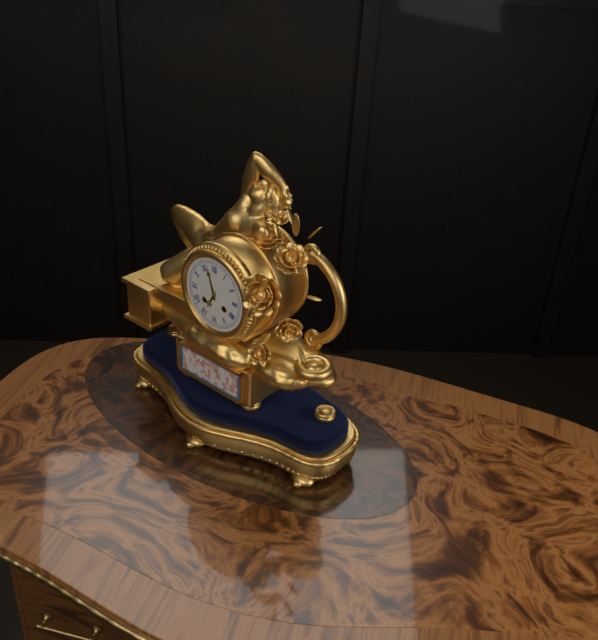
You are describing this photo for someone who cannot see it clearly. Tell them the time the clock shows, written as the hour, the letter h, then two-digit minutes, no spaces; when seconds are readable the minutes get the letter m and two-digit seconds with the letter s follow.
6h57
